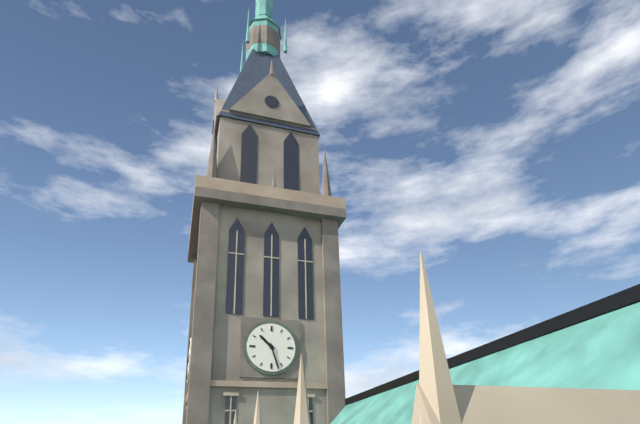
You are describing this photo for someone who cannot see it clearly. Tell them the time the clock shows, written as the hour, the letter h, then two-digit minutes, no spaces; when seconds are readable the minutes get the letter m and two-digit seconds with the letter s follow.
10h27
